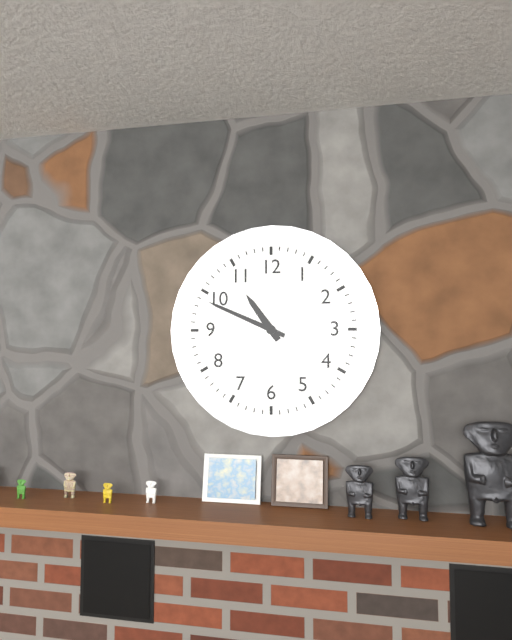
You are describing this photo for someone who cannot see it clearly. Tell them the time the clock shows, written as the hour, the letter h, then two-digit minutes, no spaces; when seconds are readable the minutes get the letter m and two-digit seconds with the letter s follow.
10h49
